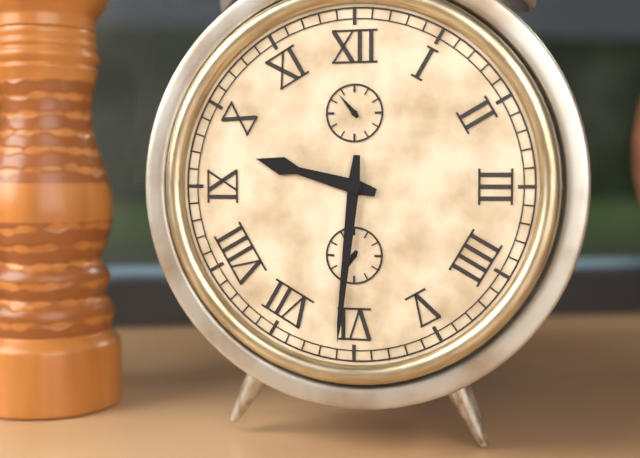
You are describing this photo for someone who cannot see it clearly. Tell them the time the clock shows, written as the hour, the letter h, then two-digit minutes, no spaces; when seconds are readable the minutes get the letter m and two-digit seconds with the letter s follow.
9h31
